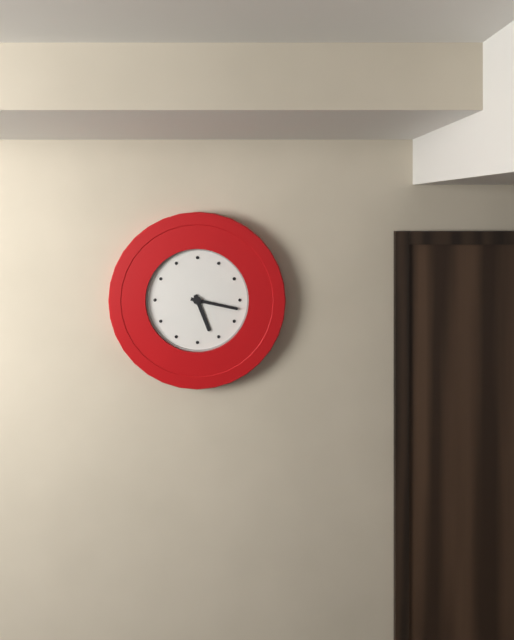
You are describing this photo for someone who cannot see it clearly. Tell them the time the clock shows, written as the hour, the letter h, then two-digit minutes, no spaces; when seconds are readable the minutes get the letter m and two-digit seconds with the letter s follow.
5h17
